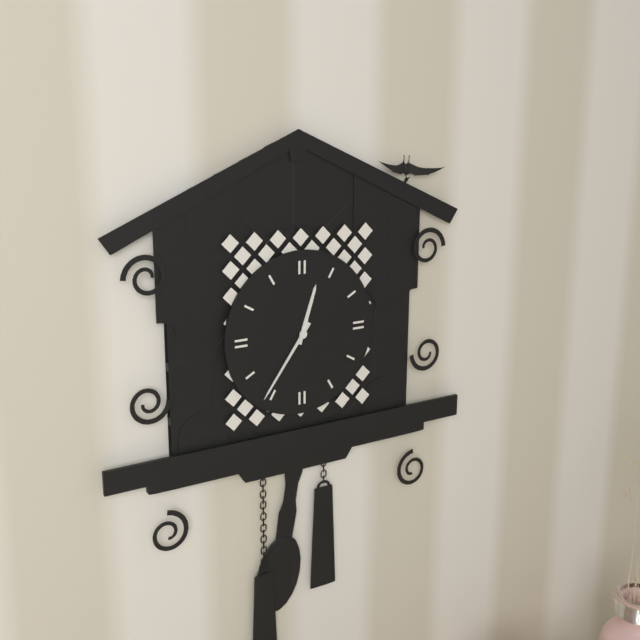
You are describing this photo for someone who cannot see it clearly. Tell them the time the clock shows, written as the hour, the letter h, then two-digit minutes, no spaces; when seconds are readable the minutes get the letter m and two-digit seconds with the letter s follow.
12h36
